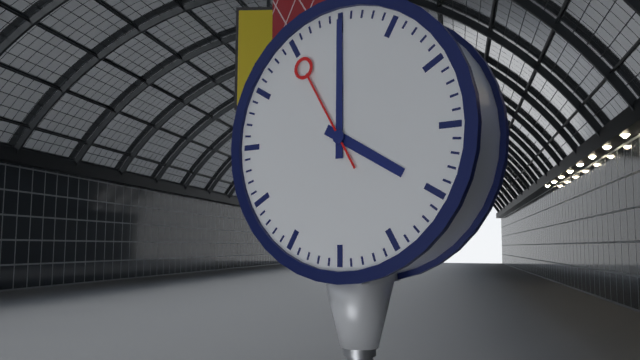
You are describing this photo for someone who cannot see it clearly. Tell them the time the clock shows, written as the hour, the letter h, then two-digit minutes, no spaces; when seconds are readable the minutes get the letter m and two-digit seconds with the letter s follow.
4h00m55s
